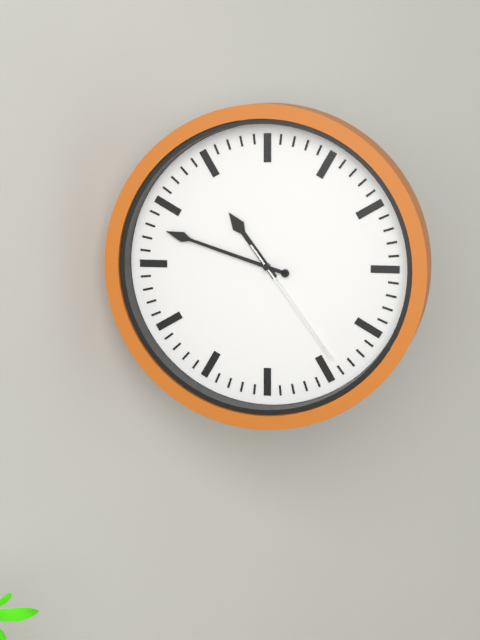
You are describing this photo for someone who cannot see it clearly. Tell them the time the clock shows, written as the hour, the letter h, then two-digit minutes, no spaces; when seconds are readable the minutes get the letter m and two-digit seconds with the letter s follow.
10h48m24s
